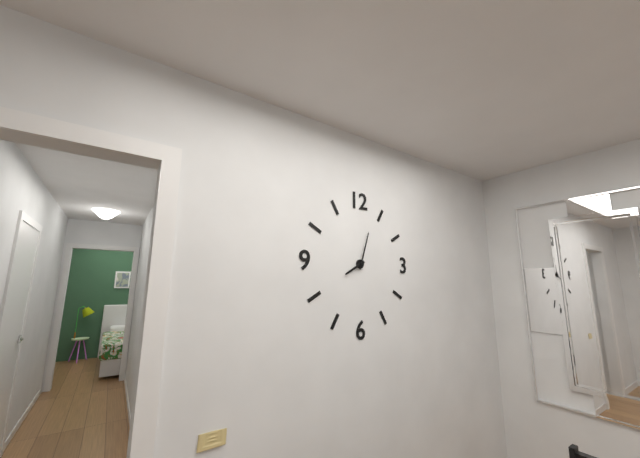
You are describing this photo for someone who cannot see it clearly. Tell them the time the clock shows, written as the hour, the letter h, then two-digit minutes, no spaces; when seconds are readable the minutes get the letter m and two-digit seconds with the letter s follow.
8h03
